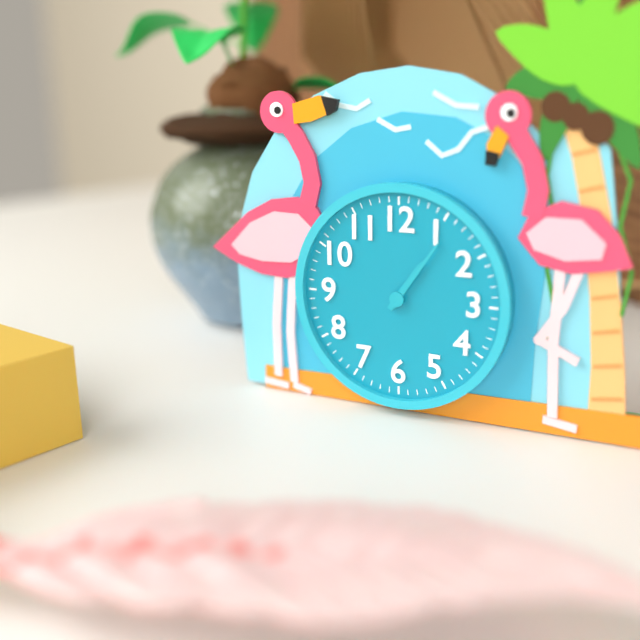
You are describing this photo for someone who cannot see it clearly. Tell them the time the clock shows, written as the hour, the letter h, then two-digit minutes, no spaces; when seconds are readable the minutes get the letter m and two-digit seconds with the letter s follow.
1h06
